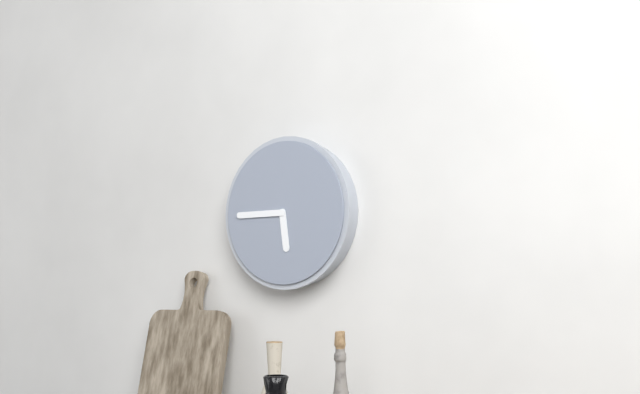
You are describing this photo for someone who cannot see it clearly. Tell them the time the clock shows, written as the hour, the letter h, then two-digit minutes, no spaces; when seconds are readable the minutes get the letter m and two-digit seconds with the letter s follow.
5h45
